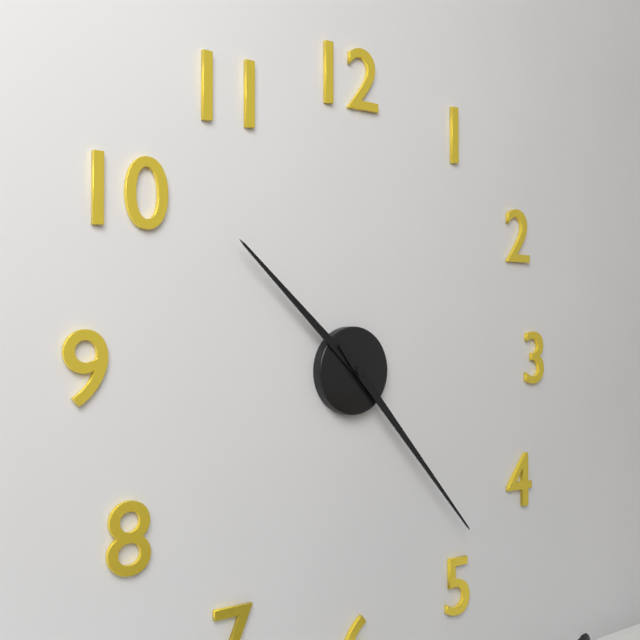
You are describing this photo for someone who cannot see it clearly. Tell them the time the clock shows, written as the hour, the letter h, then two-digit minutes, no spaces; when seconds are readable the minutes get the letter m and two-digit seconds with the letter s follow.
10h23
